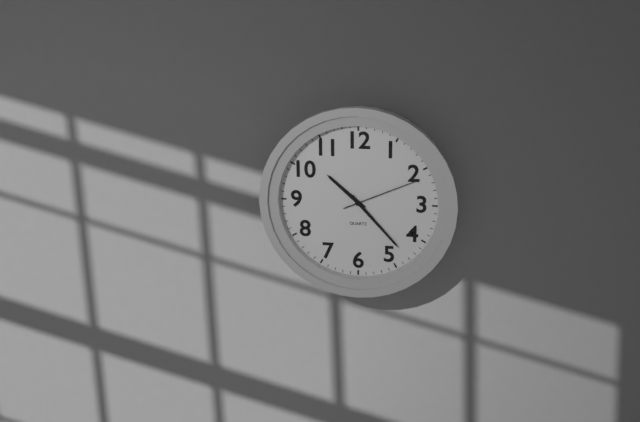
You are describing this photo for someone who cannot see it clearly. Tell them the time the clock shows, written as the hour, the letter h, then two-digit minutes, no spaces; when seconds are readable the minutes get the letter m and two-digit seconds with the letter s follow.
10h23m11s
